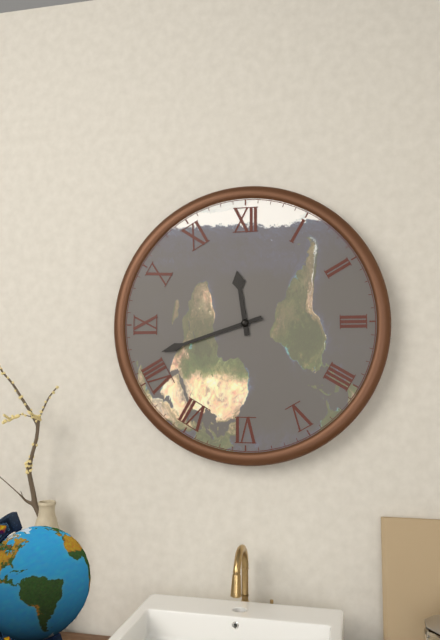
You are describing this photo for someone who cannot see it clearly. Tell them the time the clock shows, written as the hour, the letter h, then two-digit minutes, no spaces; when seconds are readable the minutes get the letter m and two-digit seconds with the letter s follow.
11h42
